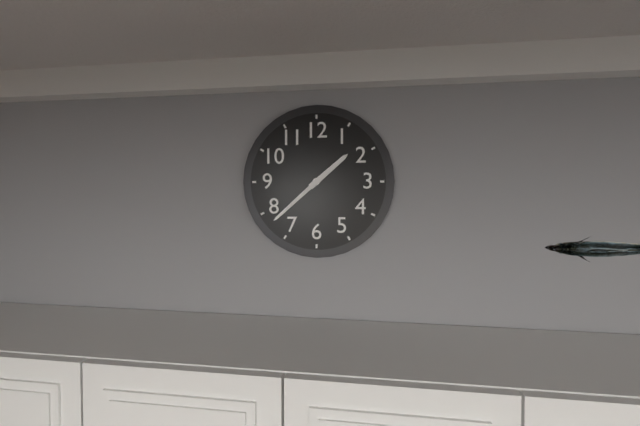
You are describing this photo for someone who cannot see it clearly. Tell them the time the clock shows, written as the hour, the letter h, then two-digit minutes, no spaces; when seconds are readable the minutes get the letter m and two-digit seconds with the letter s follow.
1h38
